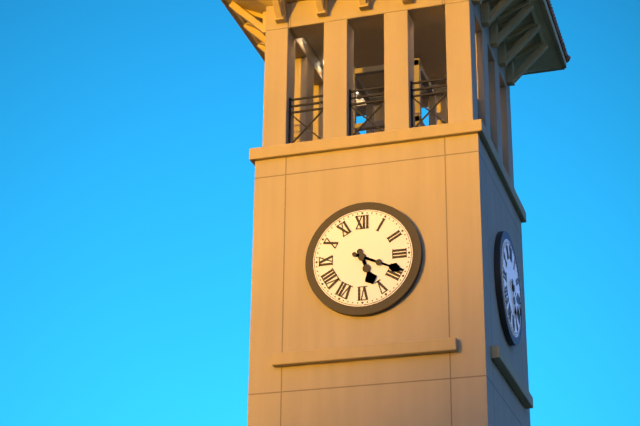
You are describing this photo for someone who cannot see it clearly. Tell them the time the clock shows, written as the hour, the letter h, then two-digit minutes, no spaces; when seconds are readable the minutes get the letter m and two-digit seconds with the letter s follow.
5h19
